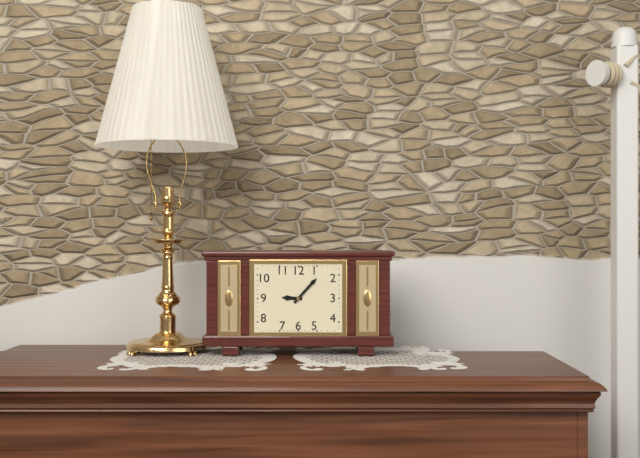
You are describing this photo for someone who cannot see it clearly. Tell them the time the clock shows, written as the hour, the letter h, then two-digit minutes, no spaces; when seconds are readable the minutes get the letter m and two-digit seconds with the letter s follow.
9h07
